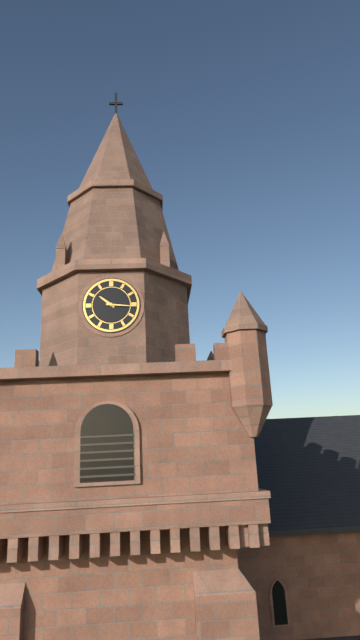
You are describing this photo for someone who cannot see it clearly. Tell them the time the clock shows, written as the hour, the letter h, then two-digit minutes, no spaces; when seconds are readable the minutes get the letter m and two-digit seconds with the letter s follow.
10h16
